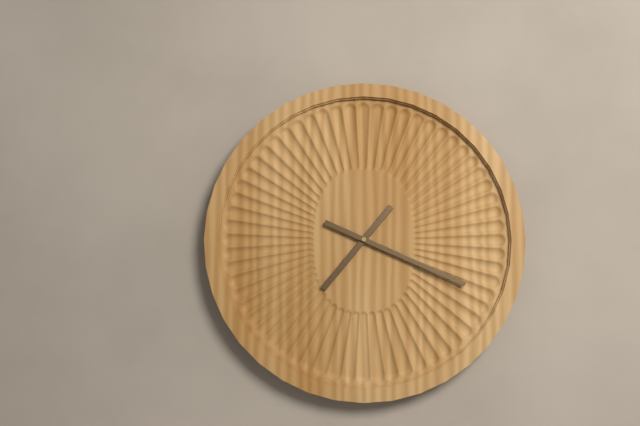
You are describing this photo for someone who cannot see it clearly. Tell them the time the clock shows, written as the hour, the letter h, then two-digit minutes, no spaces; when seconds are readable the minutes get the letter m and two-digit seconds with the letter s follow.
7h19
